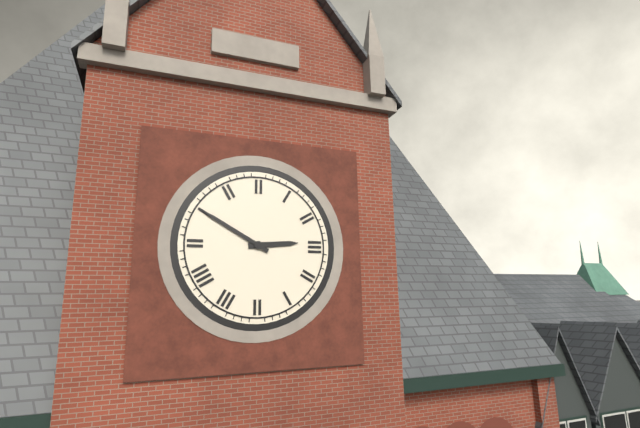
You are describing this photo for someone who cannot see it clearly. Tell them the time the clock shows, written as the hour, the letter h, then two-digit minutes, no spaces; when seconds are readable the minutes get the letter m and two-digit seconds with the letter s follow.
2h50
